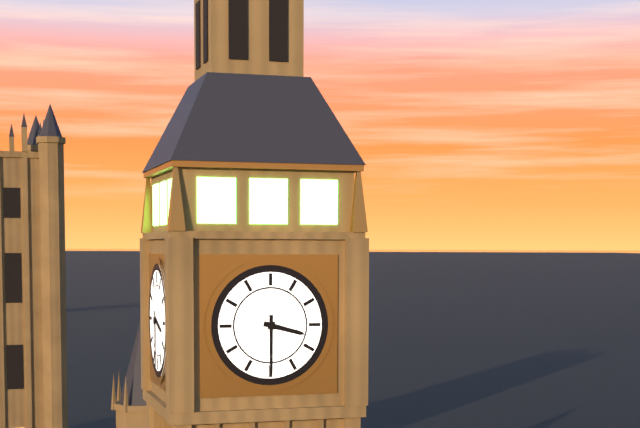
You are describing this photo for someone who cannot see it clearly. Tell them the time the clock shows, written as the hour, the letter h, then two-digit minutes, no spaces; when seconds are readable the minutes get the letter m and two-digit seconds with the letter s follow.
3h30
